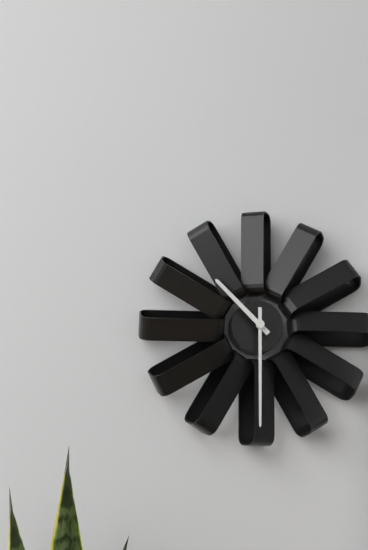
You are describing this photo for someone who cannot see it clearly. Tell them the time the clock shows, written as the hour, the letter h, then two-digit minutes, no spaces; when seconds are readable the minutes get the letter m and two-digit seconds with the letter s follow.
10h30
